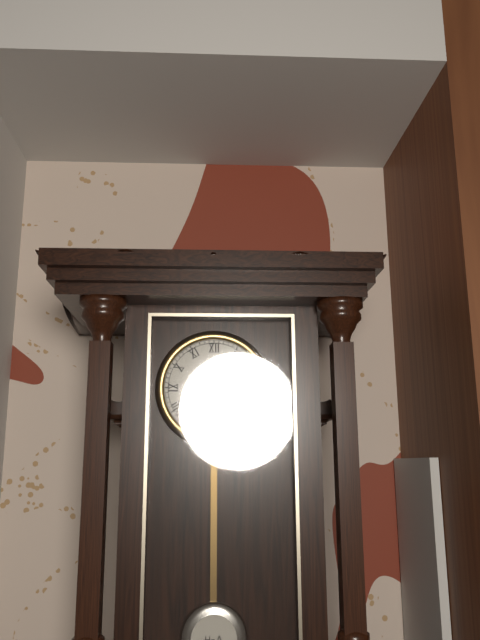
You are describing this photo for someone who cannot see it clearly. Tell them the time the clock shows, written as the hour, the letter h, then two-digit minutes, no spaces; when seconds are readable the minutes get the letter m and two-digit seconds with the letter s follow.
2h33
